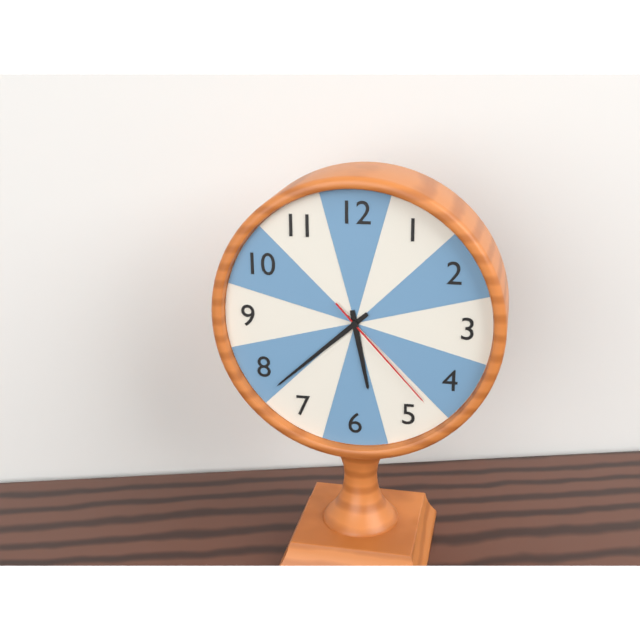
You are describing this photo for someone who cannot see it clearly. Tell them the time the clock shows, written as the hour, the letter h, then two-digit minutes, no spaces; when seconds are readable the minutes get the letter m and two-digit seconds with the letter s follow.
5h38m23s
